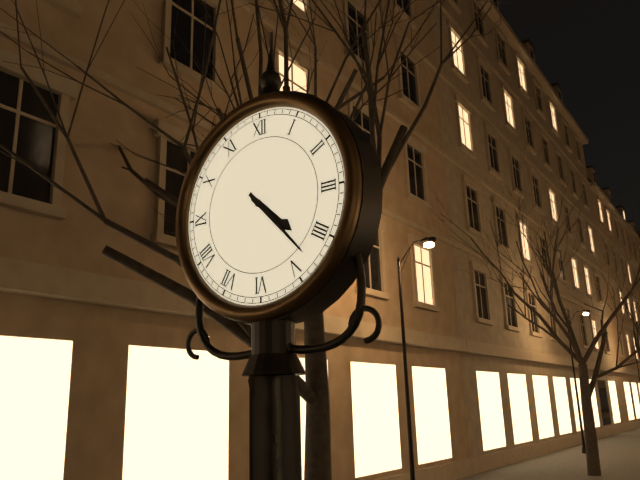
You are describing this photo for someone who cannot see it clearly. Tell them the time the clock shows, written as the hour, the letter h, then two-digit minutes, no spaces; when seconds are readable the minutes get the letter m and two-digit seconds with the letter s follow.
4h23
